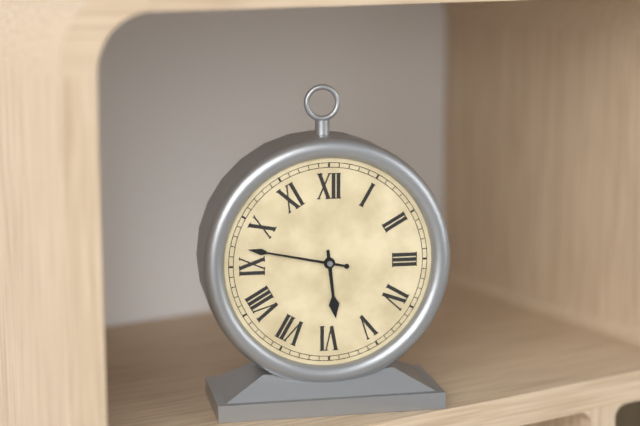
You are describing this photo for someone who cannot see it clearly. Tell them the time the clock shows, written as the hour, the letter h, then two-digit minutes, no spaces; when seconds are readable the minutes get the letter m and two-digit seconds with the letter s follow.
5h47
